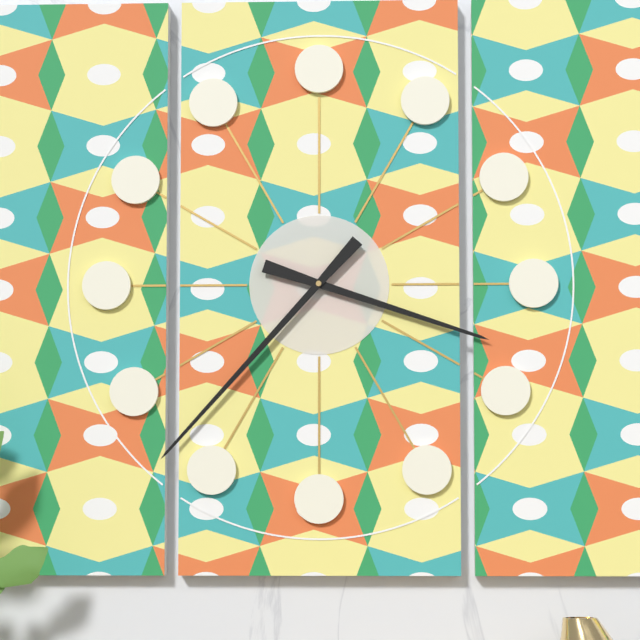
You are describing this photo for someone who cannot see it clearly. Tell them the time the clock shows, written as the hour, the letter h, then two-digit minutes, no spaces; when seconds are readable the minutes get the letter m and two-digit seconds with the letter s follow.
3h37
